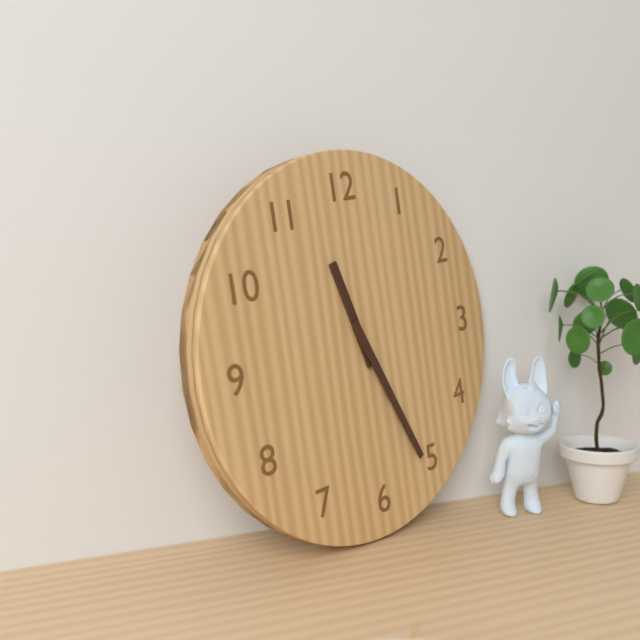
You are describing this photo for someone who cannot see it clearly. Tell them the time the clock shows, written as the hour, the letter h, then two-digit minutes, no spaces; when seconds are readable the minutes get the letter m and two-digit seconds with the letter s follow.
11h26
